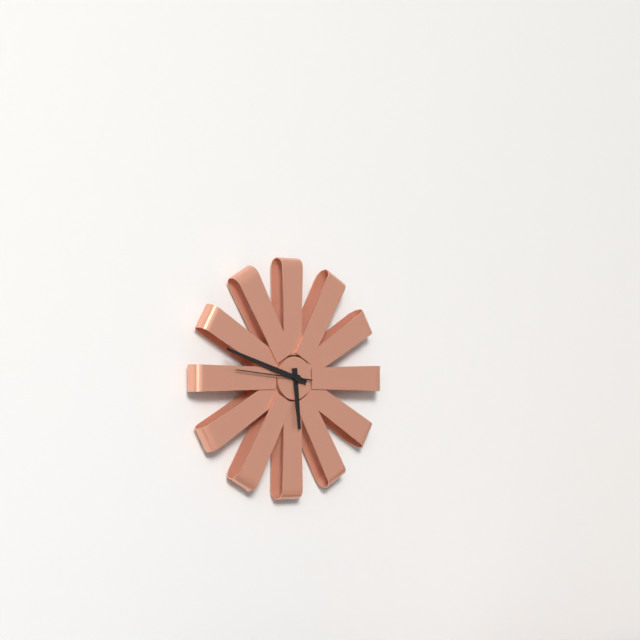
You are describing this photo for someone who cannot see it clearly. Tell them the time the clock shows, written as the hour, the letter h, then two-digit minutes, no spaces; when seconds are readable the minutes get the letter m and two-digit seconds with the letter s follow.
5h48m46s
